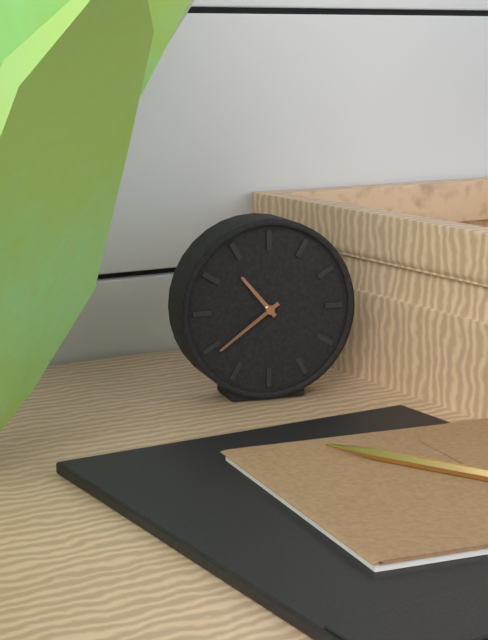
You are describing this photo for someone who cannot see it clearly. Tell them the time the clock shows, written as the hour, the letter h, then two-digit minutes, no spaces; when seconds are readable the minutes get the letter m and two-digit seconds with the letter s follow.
10h39
